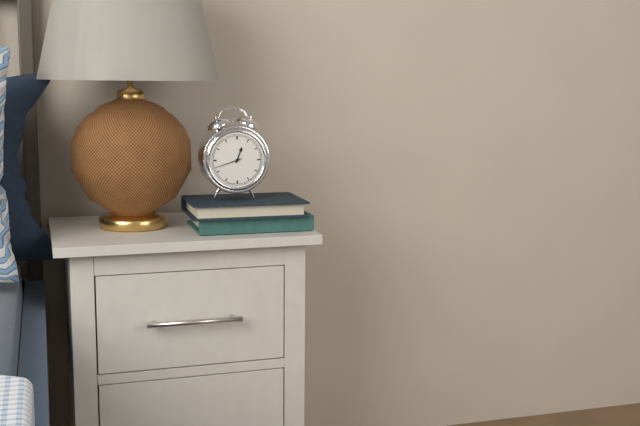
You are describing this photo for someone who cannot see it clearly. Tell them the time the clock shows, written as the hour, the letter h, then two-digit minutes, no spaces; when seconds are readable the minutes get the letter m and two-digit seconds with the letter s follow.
12h42
